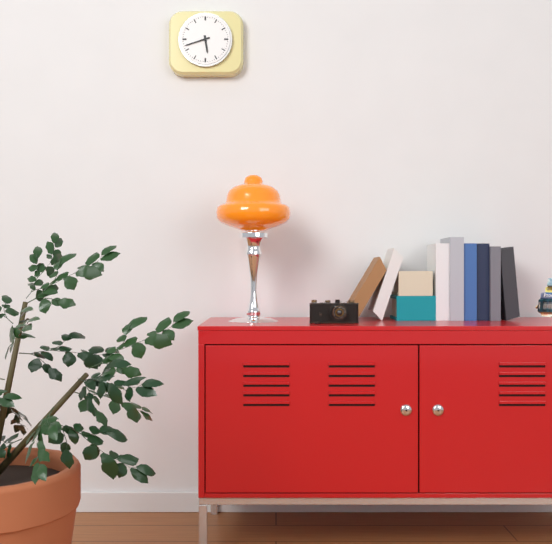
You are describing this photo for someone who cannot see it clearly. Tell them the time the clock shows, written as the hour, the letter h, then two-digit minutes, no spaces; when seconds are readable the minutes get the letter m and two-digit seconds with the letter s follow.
5h42
